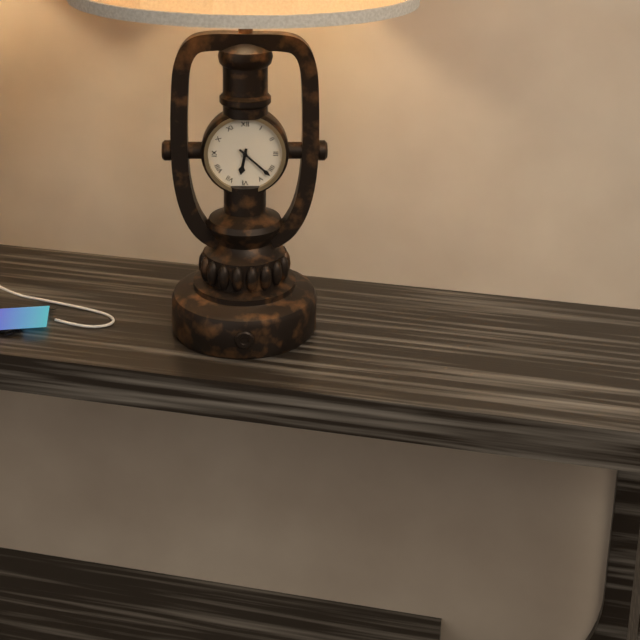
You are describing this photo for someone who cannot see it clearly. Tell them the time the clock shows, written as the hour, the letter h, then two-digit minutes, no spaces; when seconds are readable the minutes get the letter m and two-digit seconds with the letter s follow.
6h22
